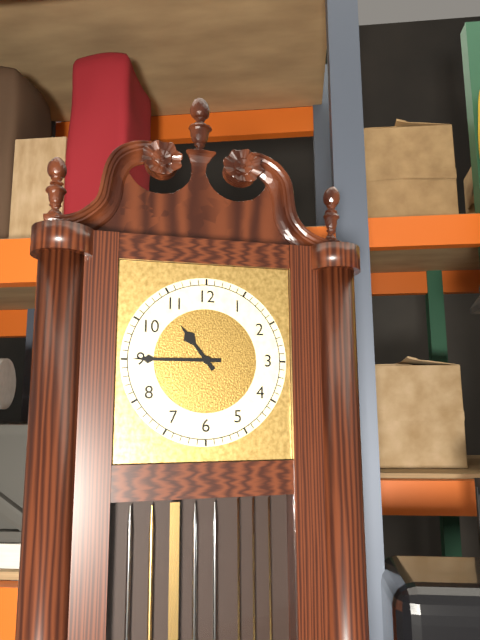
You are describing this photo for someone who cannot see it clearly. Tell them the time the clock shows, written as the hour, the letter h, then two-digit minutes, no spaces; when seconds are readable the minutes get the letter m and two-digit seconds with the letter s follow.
10h45
